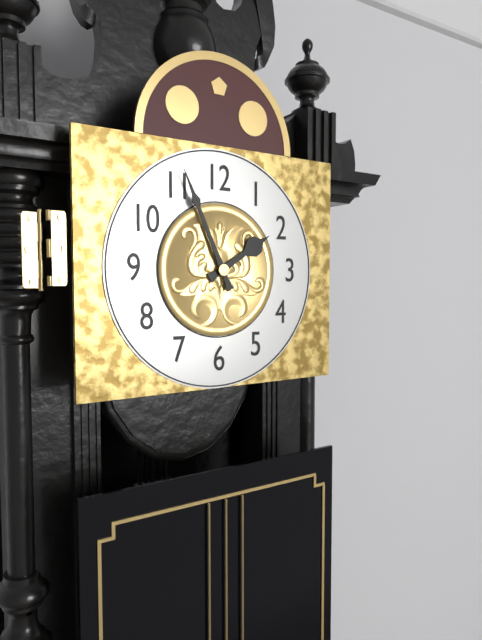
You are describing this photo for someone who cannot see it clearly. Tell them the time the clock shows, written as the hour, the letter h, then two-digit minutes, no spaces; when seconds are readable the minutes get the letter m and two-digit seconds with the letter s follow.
1h56
